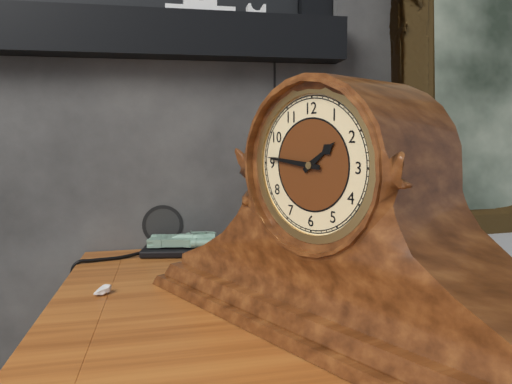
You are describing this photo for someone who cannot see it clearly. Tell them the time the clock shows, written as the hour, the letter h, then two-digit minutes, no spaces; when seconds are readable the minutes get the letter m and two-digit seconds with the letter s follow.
1h46
